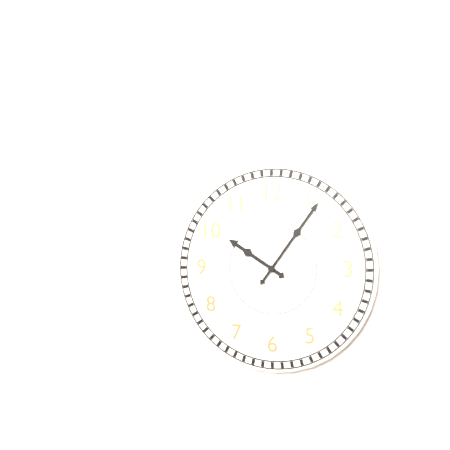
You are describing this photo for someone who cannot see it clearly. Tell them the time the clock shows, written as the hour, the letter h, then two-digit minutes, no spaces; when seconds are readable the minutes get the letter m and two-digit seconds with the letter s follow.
10h06
